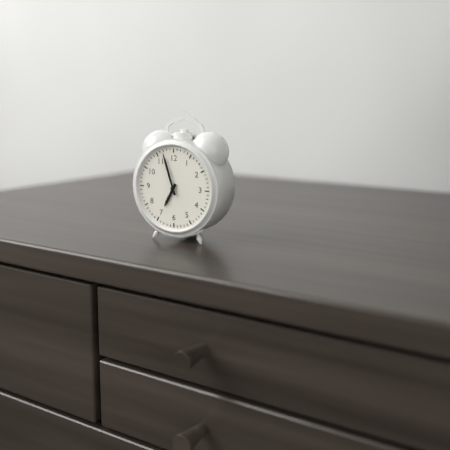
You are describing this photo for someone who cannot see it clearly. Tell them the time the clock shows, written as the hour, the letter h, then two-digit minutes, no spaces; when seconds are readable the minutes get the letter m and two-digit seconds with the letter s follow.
6h57
